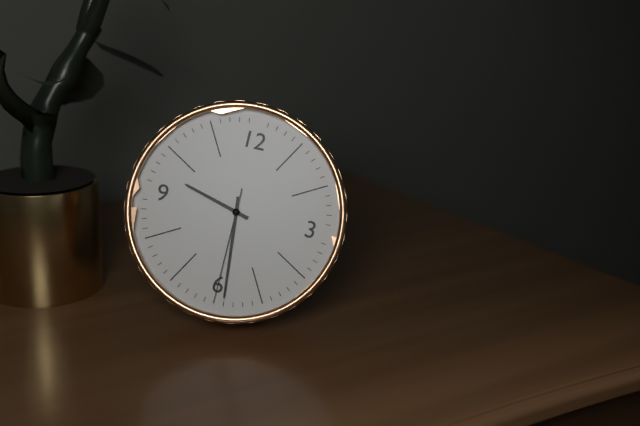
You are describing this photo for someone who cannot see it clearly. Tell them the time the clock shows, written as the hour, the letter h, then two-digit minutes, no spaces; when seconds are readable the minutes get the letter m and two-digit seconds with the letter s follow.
9h29m30s
